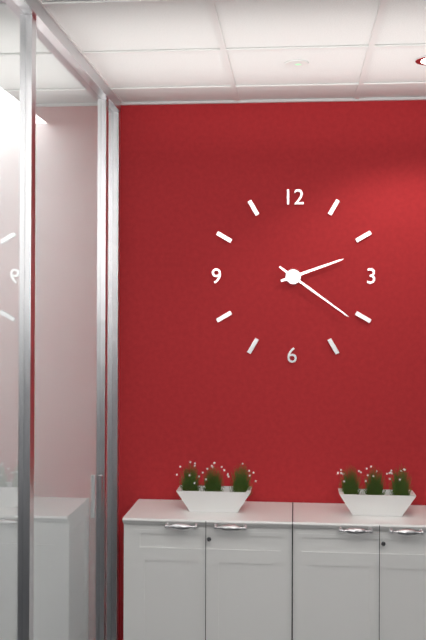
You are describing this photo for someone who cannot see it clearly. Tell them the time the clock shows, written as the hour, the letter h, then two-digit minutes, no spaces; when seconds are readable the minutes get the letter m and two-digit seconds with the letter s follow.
2h21
